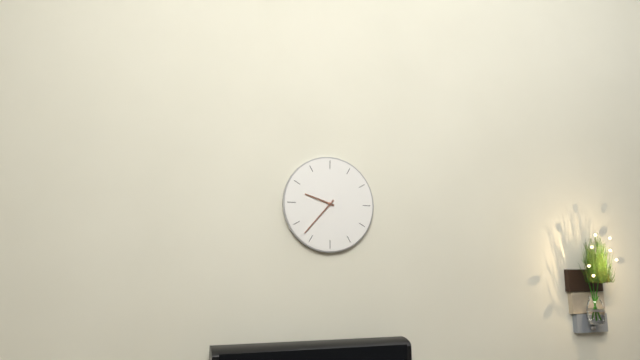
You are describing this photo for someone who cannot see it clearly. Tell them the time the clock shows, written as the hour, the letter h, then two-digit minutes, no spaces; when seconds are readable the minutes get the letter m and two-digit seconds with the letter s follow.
9h37
